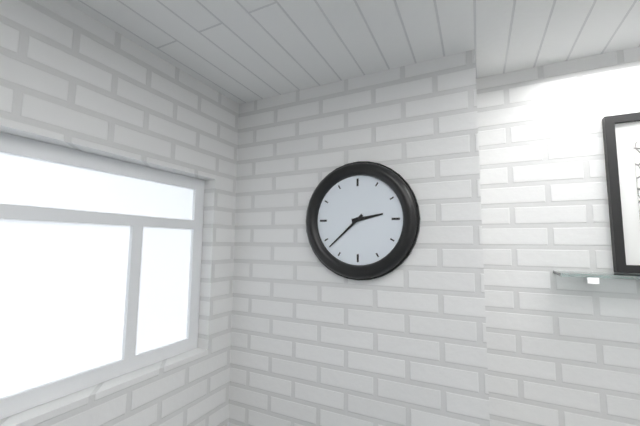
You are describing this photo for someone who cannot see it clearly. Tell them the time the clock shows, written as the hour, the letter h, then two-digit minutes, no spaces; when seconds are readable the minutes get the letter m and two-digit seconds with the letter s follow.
2h38
